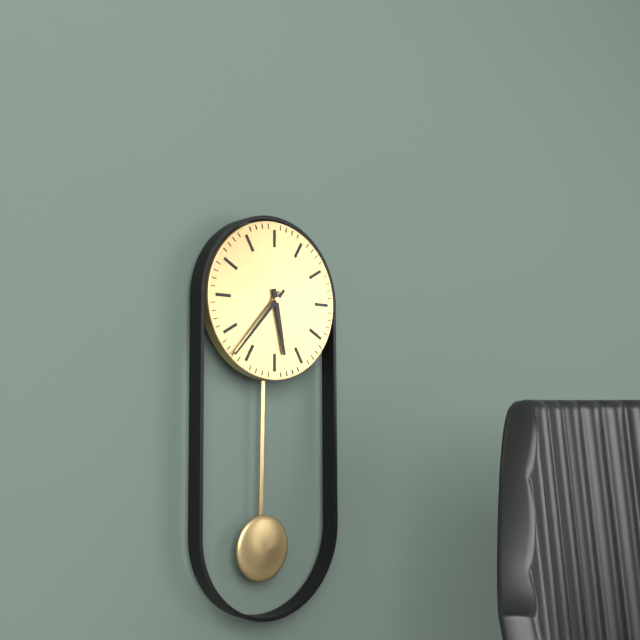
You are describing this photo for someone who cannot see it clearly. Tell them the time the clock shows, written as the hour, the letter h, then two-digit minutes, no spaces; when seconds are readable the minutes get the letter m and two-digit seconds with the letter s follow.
5h37
